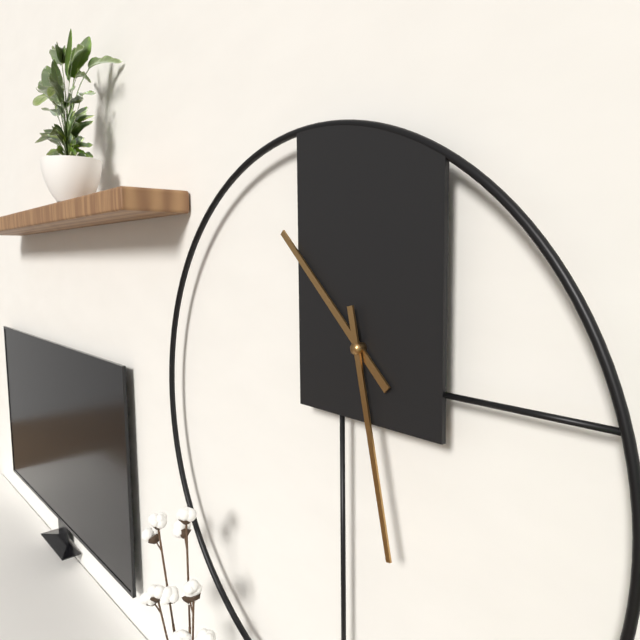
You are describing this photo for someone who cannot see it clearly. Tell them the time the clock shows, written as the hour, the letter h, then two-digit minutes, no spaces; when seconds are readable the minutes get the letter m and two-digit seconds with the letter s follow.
10h28
